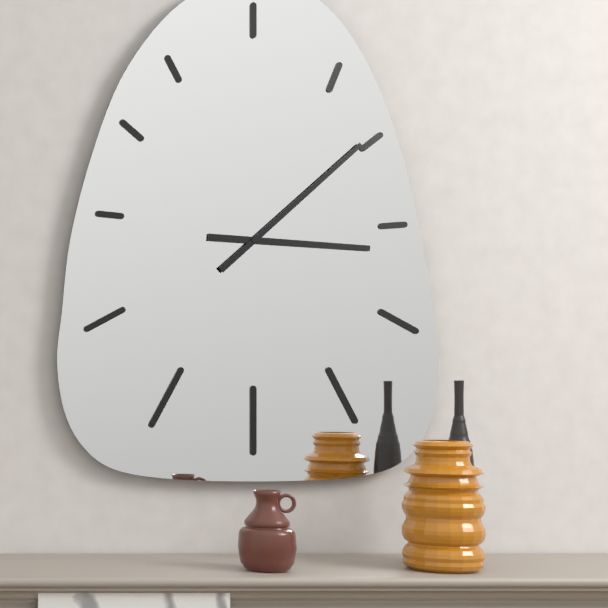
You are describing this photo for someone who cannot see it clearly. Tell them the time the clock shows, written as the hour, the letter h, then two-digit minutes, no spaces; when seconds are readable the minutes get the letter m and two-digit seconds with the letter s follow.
3h08
